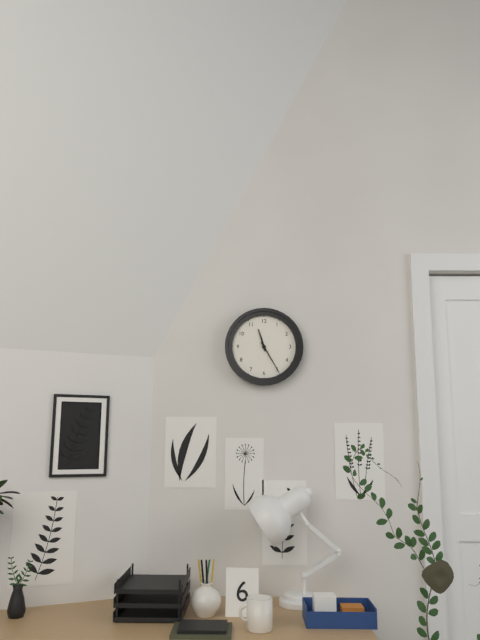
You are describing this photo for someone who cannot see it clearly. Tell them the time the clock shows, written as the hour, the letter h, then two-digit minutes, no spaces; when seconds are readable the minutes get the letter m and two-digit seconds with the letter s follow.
11h25
